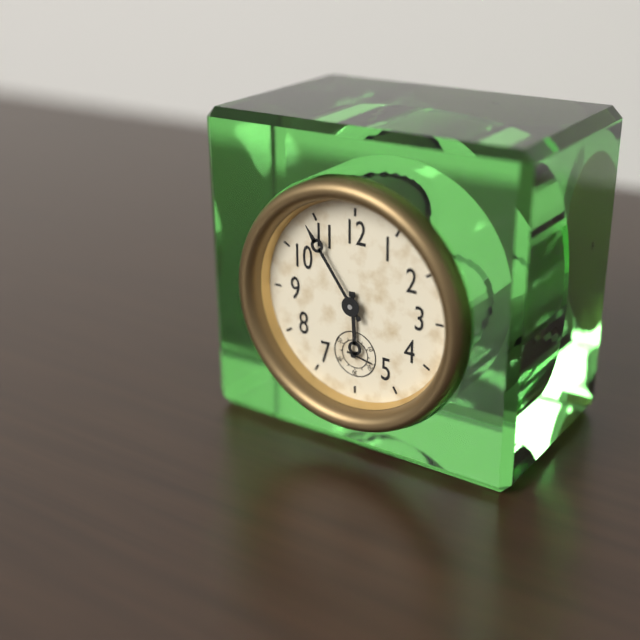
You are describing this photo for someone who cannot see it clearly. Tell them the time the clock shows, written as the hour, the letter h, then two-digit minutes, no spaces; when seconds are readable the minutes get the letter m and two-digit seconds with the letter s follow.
5h54
